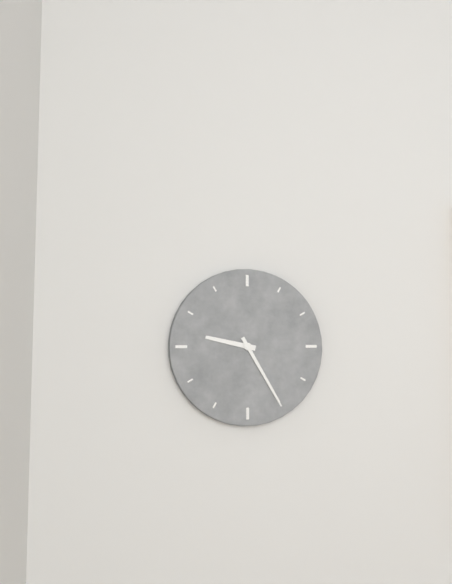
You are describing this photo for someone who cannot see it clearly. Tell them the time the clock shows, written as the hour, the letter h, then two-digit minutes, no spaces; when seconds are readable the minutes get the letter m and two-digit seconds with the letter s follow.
9h25
